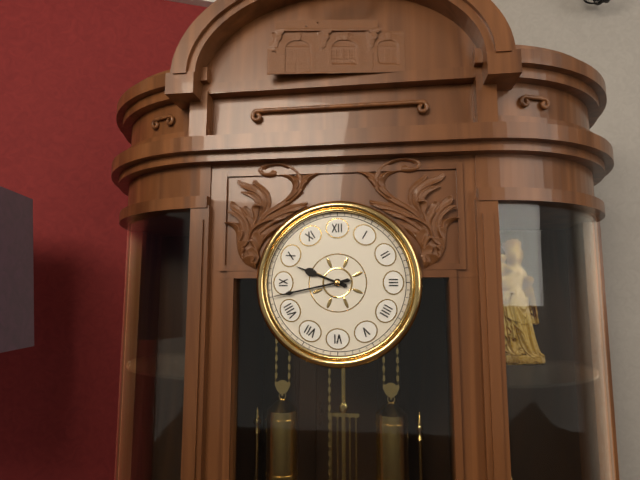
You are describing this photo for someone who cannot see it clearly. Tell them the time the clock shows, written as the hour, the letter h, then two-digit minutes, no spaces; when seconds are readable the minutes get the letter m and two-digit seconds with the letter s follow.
9h43
